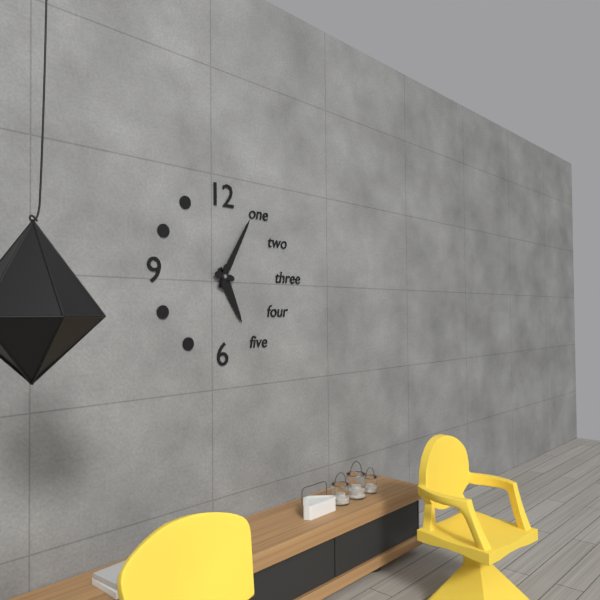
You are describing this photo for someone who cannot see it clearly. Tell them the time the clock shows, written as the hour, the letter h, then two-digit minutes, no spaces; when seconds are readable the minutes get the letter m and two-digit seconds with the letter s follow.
5h05
